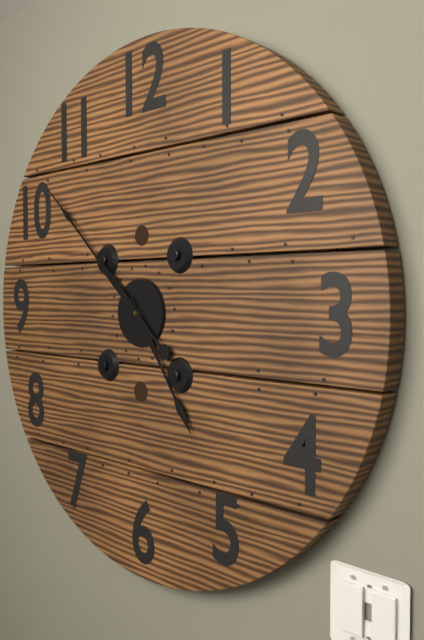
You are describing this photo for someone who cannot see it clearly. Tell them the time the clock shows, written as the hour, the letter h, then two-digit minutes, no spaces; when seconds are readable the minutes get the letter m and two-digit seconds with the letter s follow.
4h52
